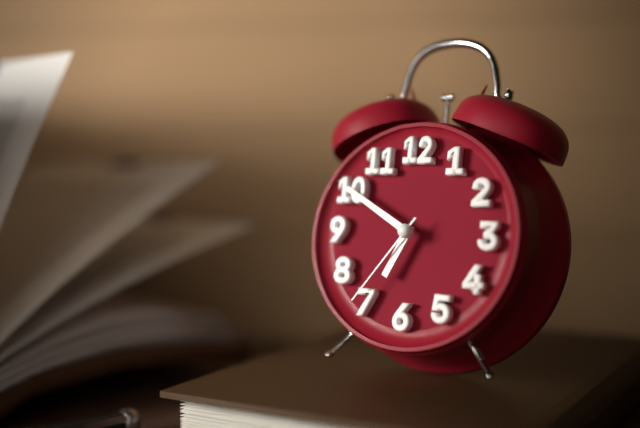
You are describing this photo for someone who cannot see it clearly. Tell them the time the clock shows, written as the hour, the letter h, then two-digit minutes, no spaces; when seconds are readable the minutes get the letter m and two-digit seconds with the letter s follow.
6h50m36s
